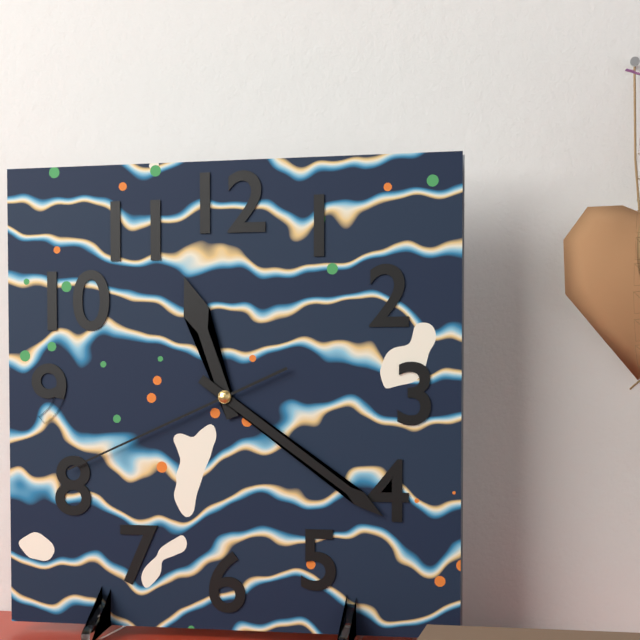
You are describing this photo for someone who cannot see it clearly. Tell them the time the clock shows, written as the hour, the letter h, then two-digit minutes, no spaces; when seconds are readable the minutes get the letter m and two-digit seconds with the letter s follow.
11h21m41s
